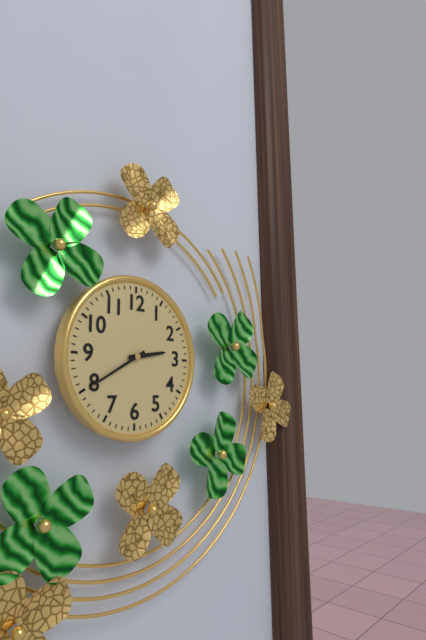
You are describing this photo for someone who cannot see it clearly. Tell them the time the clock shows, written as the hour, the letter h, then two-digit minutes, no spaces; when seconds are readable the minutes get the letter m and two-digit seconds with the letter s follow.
2h40
